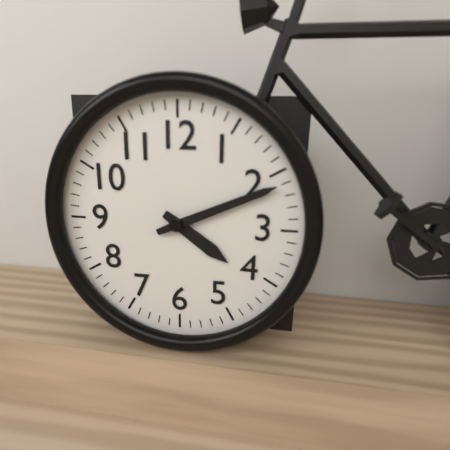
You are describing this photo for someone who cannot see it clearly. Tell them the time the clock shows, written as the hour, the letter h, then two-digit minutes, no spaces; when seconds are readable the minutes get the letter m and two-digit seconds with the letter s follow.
4h11
